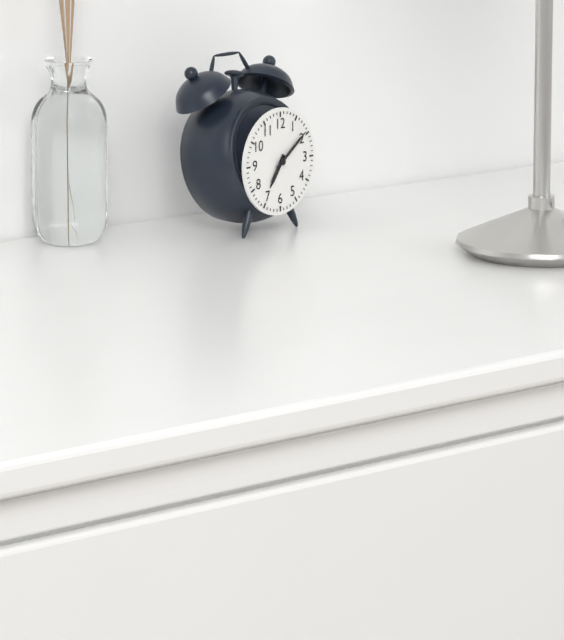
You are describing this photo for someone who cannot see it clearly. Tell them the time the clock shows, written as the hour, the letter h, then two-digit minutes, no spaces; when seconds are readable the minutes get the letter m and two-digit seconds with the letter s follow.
7h09
